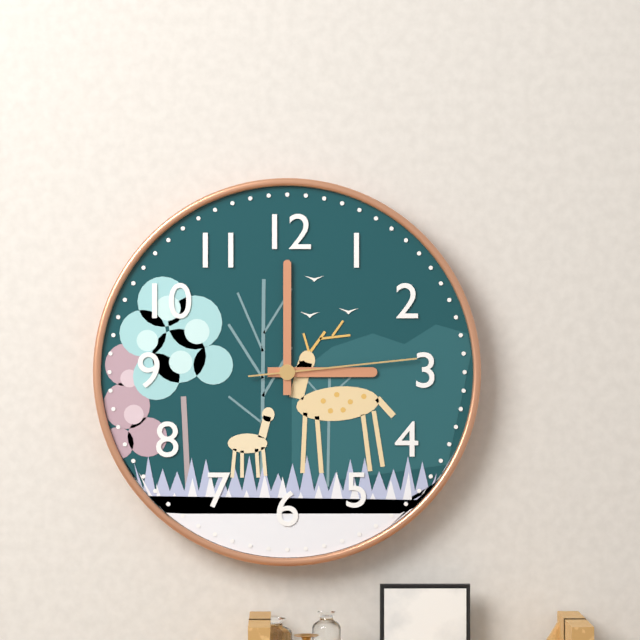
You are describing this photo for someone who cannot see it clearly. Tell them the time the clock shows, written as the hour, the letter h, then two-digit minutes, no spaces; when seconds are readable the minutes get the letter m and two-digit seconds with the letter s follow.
3h00m14s
